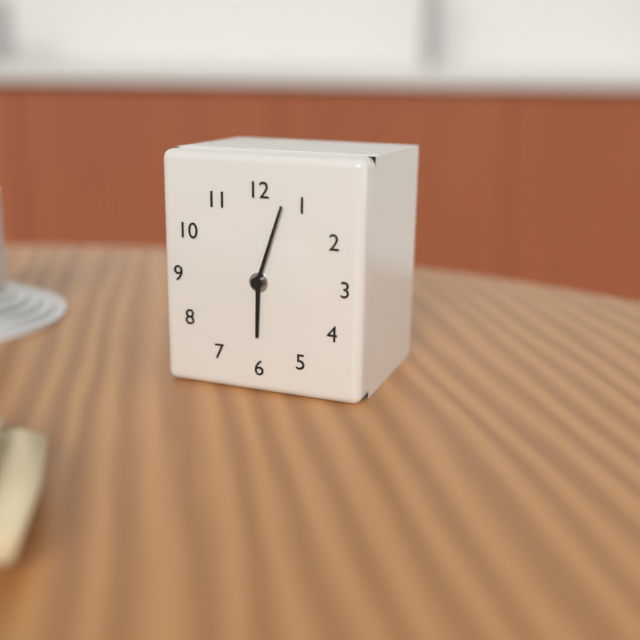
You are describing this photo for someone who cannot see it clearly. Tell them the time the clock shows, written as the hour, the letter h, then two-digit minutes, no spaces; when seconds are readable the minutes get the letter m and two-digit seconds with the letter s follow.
6h03
